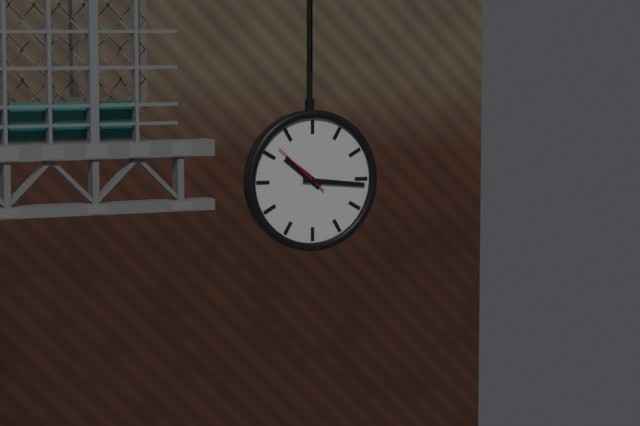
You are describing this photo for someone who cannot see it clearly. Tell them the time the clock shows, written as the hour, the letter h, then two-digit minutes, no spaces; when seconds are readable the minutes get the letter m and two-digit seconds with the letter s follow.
10h16m52s
